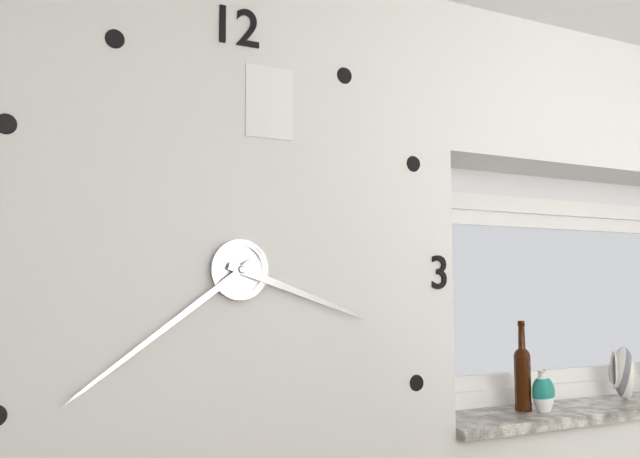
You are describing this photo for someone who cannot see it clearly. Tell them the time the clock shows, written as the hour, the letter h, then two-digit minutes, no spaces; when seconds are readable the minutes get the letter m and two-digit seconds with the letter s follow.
3h39
